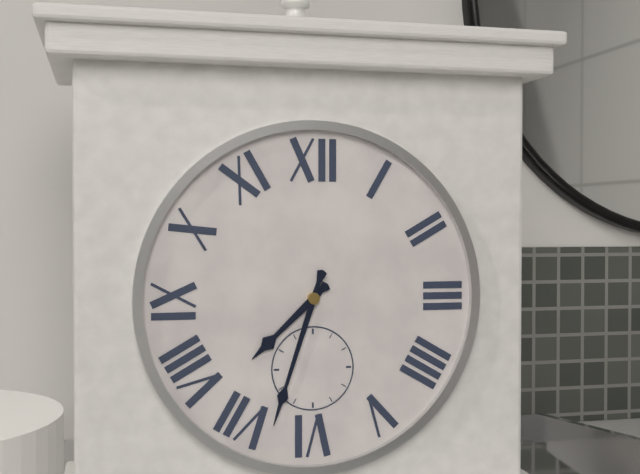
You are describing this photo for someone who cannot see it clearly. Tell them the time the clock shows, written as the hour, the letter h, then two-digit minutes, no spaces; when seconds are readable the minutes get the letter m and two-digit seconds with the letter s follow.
7h33
